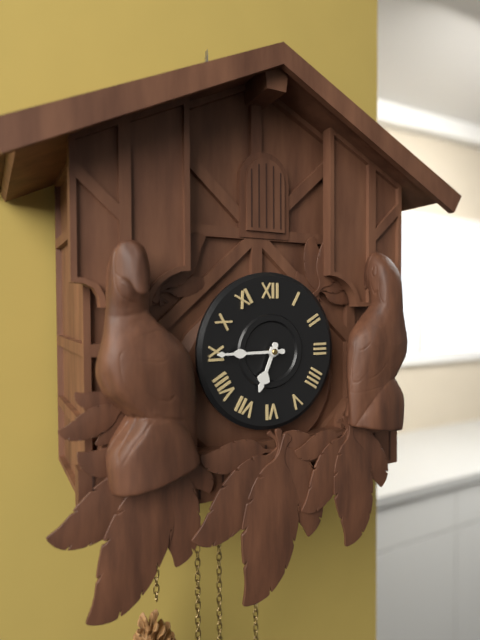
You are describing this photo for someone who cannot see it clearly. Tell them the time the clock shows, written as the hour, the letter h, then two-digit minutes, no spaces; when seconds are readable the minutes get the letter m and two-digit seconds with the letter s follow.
6h45
